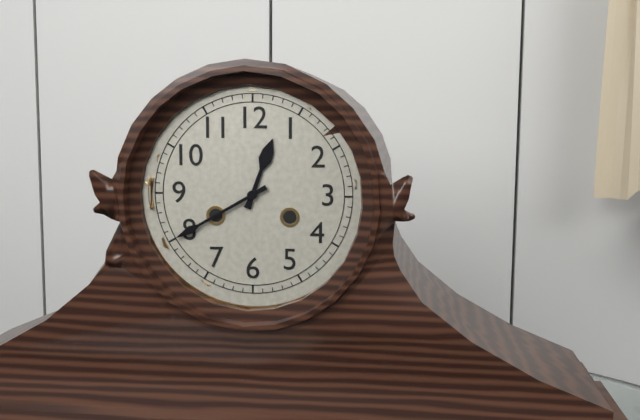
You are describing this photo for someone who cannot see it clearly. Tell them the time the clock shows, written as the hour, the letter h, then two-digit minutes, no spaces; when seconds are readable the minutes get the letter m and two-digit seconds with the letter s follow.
12h40
